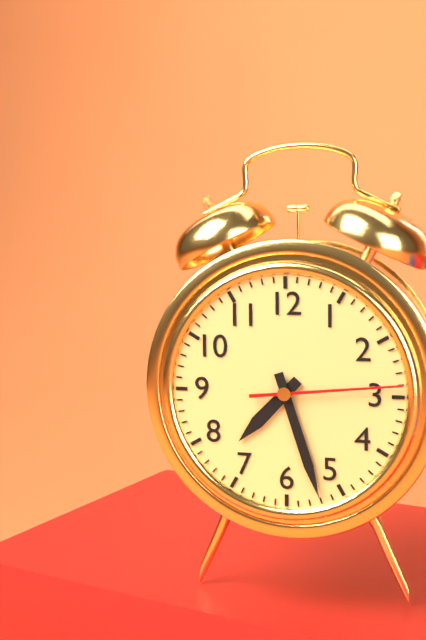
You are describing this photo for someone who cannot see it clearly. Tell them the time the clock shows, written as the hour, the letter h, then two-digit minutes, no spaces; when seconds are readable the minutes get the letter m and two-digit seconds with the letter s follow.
7h27m14s
